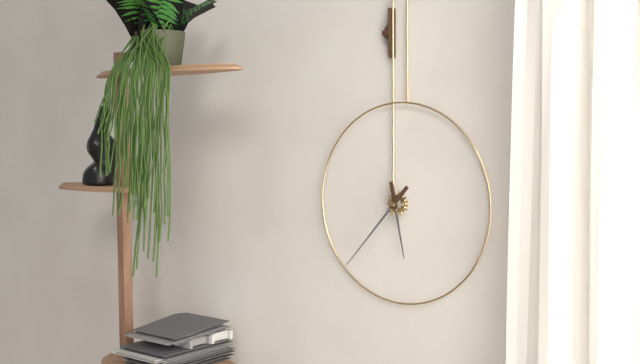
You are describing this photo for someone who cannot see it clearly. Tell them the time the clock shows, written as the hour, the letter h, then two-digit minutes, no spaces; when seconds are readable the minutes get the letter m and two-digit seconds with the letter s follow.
5h37
